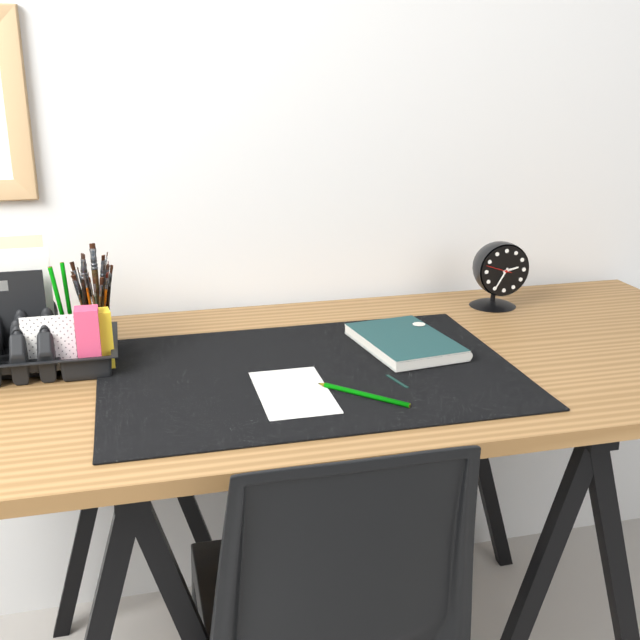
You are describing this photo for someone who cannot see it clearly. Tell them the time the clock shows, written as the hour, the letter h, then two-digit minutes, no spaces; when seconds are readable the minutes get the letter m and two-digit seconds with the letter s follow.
2h35
